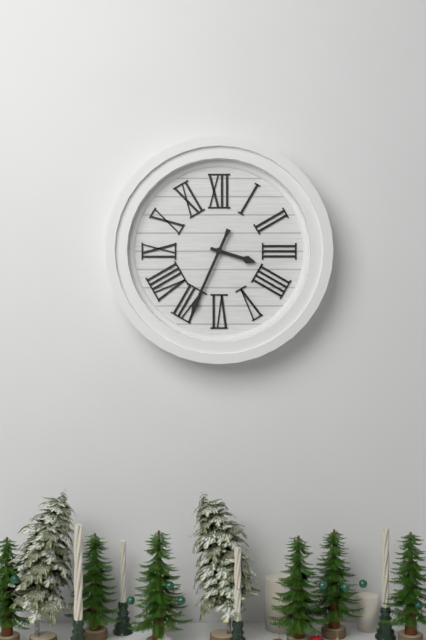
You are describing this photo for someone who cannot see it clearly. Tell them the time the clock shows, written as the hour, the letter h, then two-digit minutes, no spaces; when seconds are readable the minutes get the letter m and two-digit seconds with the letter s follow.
3h34
